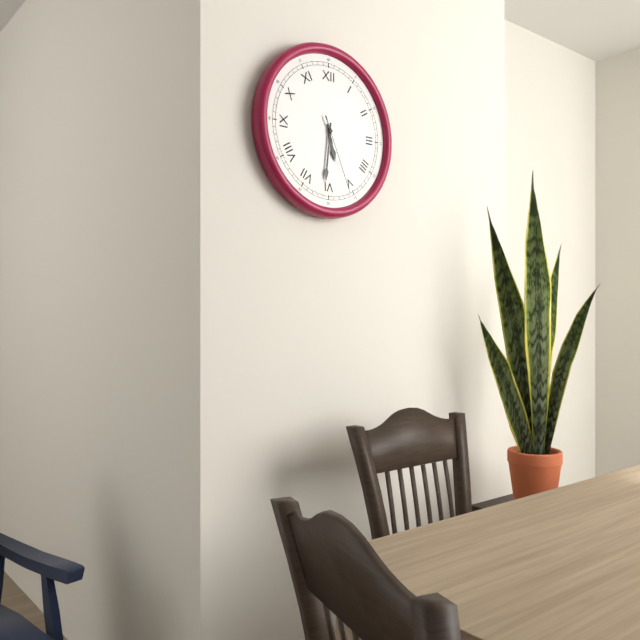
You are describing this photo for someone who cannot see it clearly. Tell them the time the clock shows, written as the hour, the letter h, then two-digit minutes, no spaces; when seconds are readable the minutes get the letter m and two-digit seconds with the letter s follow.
5h31m26s
